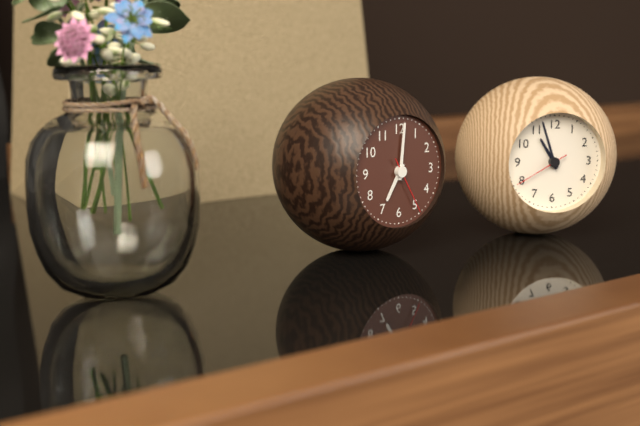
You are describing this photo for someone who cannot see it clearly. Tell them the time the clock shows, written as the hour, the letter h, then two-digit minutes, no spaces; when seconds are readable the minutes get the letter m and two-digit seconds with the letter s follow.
7h01m25s
